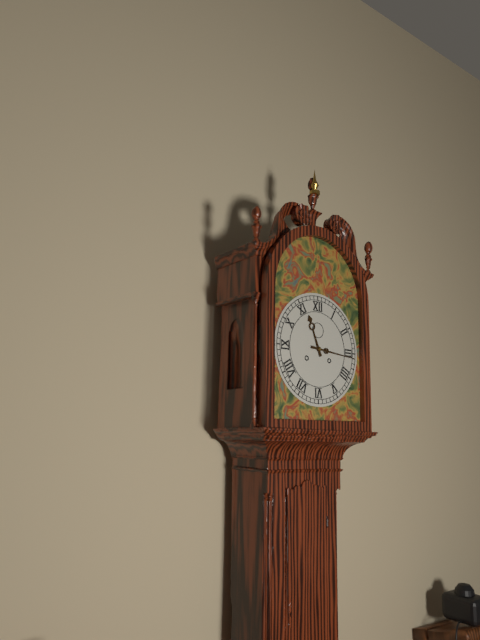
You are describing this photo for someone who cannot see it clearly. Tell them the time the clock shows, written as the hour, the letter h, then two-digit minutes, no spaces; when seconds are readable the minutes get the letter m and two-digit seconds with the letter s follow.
11h16
